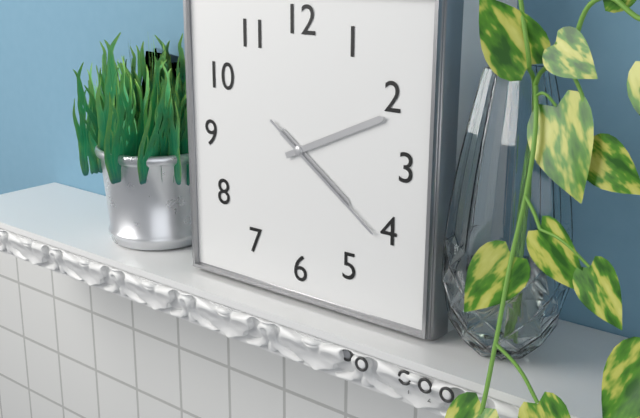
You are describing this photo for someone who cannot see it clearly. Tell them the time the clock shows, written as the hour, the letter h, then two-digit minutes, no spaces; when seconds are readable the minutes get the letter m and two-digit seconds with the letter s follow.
4h11m21s
